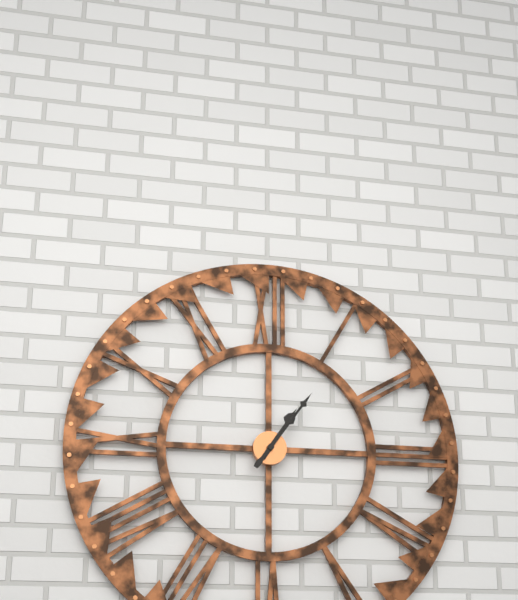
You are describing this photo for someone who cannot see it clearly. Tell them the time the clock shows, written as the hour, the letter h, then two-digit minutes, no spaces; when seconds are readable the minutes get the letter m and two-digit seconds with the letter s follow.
1h06
